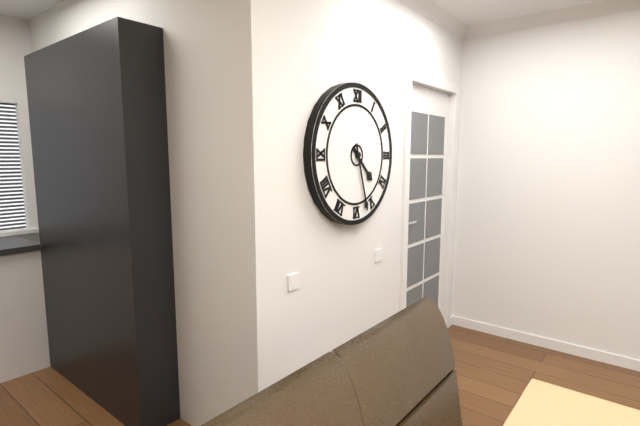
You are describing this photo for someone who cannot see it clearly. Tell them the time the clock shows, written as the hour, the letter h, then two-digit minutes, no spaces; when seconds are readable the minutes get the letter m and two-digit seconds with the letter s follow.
4h27
